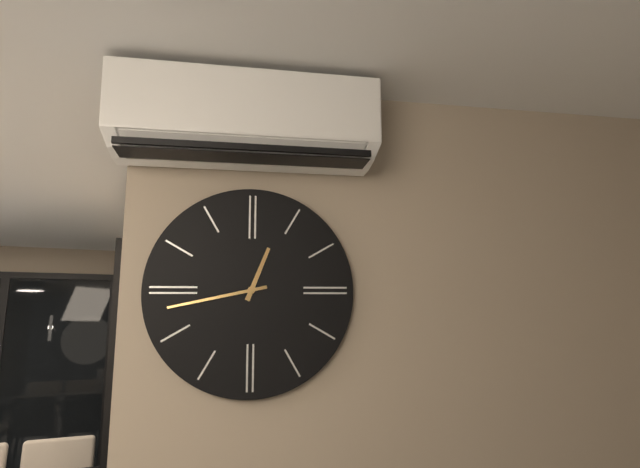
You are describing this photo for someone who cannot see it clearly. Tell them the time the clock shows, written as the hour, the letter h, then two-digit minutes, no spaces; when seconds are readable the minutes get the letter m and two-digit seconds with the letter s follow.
12h43
